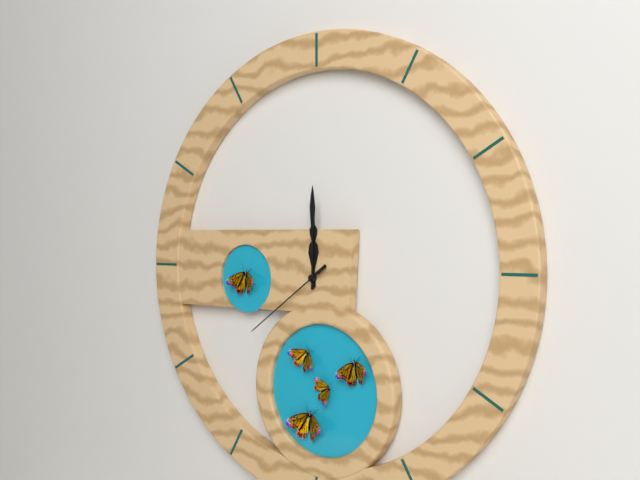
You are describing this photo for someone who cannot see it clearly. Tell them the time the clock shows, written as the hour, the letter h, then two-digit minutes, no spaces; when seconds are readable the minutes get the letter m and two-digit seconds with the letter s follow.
12h00m39s
